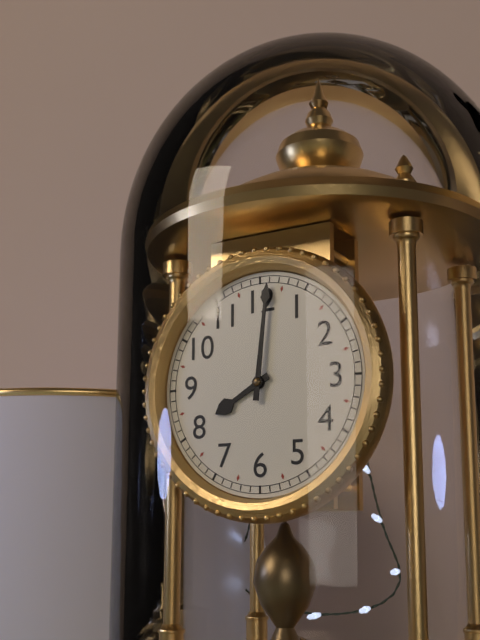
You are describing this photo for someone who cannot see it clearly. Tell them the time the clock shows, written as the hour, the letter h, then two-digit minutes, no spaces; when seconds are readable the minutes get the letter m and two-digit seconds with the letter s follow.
8h01
